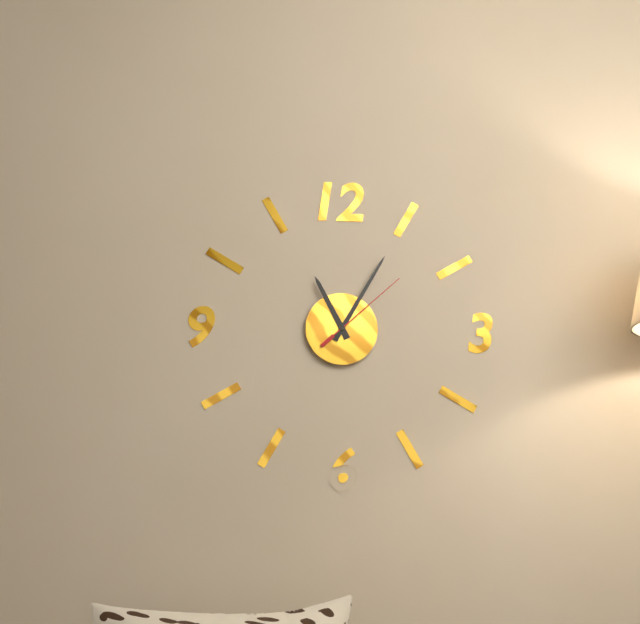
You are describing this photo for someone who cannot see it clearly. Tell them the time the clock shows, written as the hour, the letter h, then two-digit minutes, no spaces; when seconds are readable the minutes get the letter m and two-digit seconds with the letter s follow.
11h05m08s
